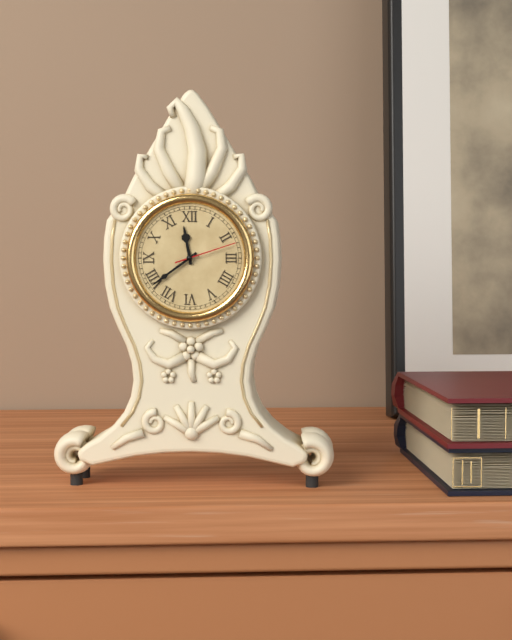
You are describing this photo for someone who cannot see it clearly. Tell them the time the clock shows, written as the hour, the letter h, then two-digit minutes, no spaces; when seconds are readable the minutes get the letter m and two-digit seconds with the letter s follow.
11h39m12s
